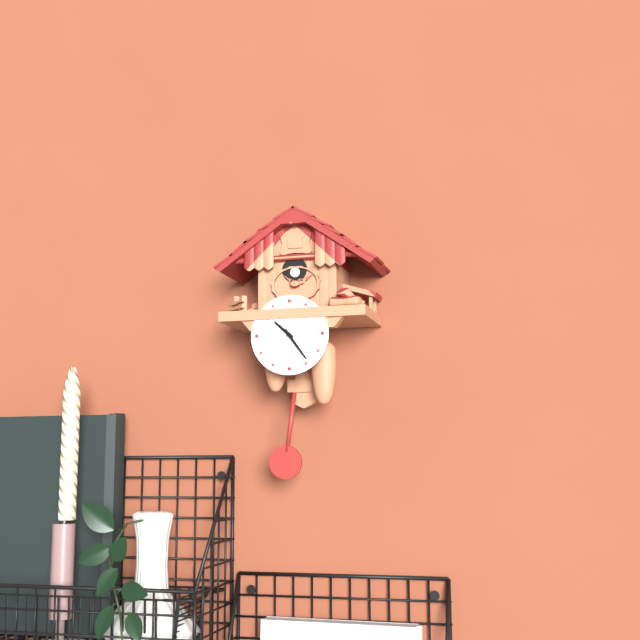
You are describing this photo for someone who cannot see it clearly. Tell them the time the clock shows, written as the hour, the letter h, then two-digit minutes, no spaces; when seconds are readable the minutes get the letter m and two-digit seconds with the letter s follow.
10h24
